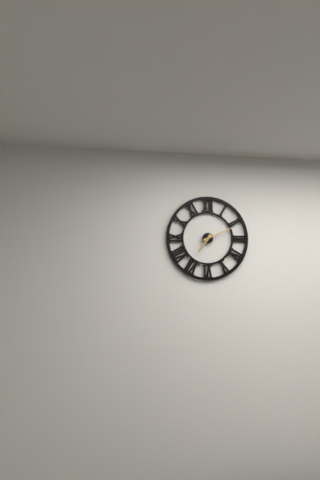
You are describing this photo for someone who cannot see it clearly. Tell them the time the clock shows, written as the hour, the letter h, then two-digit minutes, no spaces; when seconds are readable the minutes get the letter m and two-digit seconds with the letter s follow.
7h11
